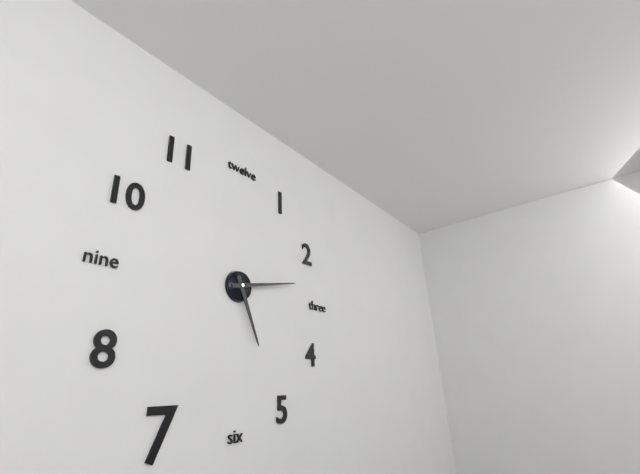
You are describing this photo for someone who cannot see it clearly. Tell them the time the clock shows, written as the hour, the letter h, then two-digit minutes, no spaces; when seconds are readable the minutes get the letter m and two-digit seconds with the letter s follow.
5h13
